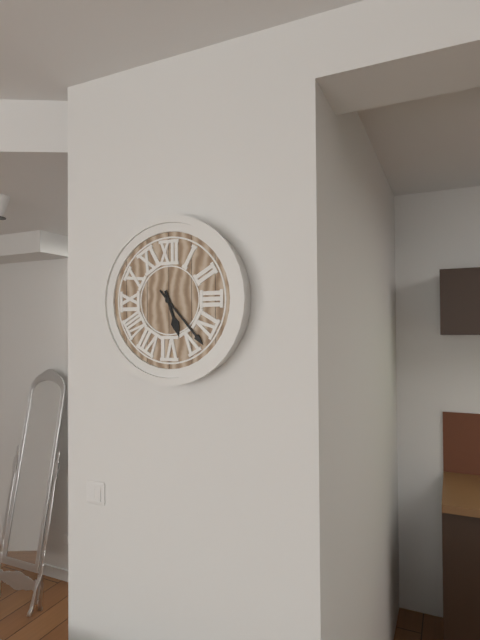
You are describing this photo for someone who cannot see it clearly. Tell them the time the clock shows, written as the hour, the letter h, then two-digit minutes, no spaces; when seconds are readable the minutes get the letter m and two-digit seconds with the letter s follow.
5h23
